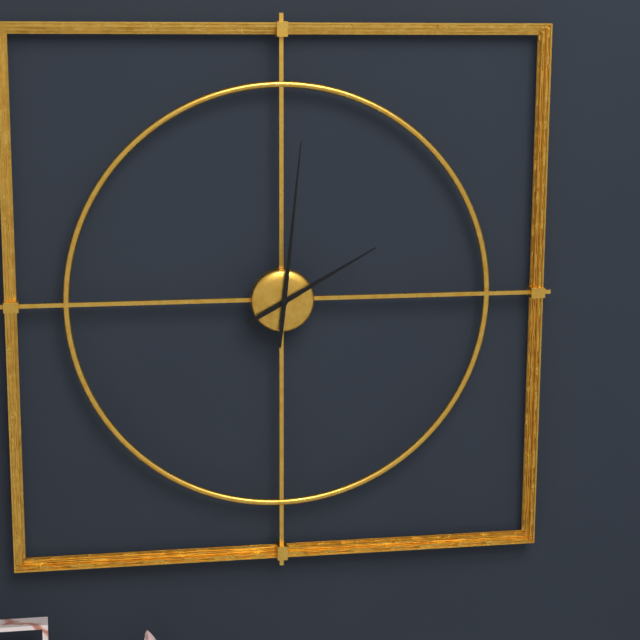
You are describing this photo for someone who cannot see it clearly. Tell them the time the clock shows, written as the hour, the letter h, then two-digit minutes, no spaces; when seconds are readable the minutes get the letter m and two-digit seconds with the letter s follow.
2h01
